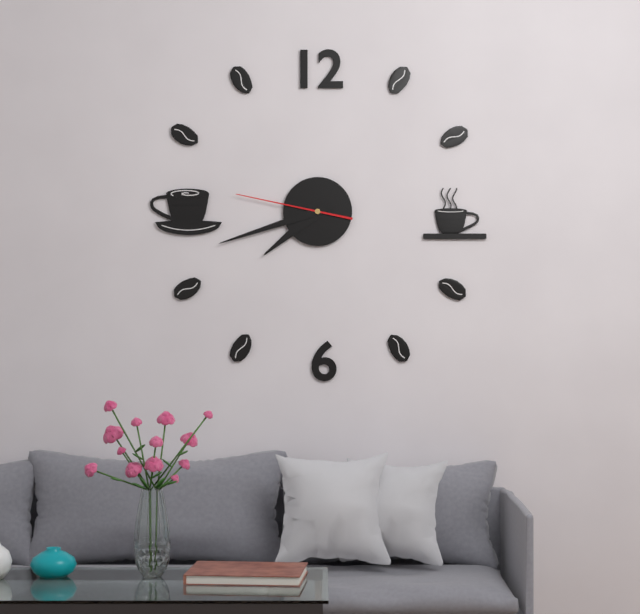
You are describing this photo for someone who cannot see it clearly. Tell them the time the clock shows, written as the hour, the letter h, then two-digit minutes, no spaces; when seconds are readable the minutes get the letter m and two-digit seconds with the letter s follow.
7h42m47s
